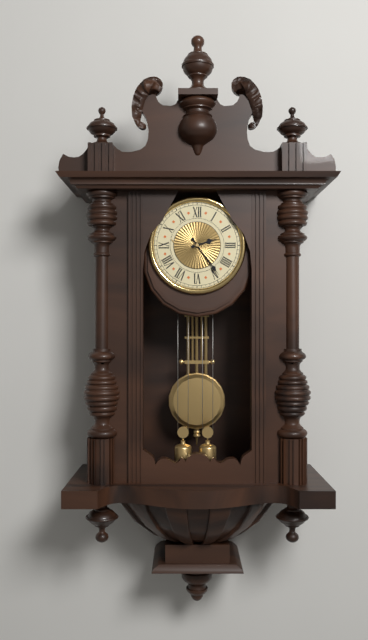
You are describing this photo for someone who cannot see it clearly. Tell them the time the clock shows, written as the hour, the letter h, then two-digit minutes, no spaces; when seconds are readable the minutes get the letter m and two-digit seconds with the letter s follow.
2h24
